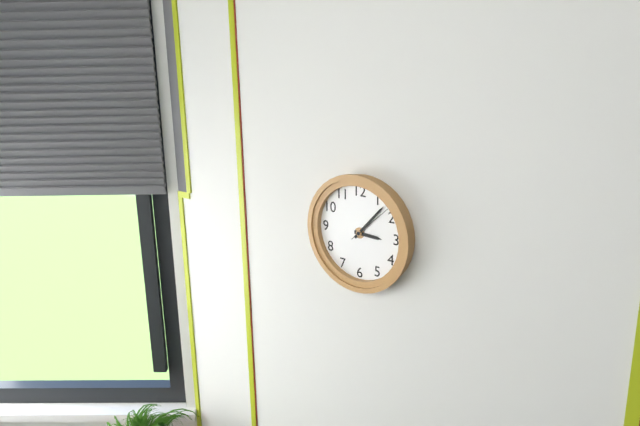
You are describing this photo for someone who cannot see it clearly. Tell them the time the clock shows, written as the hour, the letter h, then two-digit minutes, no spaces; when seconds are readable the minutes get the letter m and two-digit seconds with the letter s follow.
3h07
